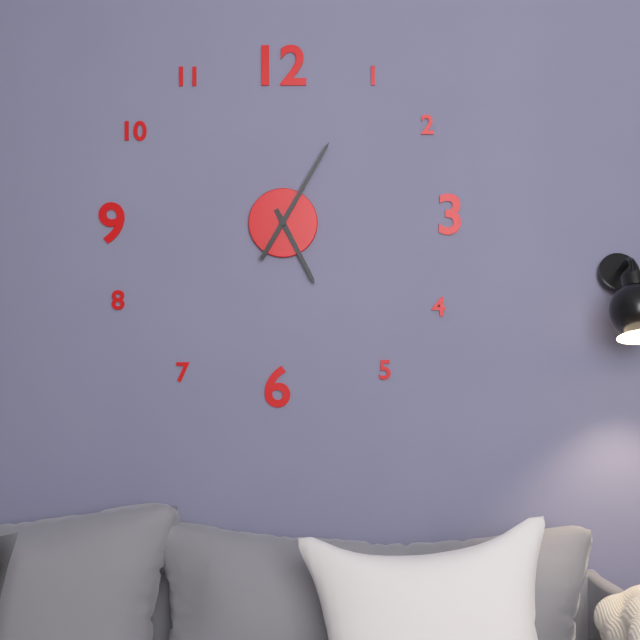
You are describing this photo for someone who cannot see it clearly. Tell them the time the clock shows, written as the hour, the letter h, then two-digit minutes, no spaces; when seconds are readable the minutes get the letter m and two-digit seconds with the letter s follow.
5h05
